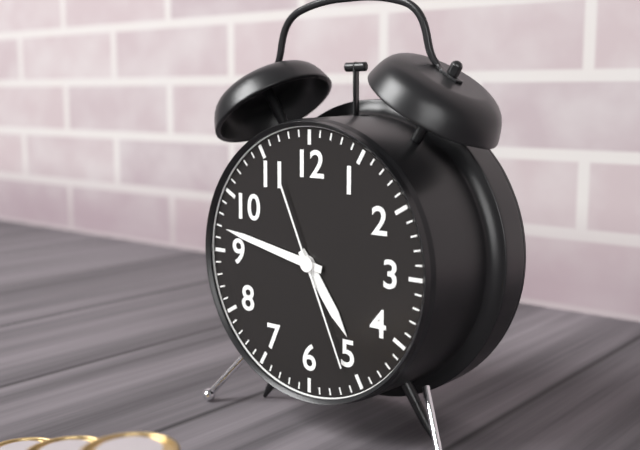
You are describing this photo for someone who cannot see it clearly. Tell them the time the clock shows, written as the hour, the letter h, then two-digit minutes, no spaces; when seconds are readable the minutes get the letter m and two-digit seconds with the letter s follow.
4h47m26s
